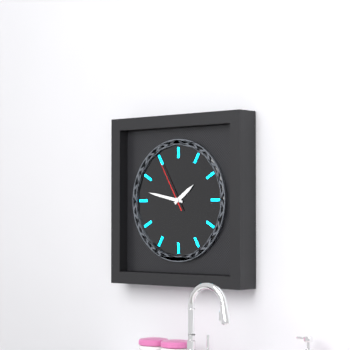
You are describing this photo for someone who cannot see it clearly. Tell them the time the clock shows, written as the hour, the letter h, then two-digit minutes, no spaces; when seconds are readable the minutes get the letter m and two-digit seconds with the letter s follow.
1h47m55s
